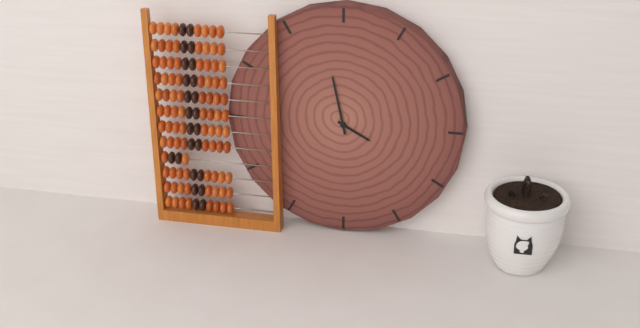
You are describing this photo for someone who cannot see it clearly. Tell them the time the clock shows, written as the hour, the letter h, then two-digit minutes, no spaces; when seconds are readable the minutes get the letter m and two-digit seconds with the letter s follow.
3h58
